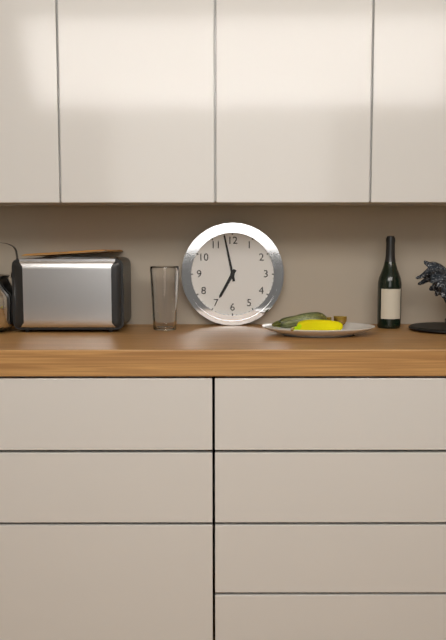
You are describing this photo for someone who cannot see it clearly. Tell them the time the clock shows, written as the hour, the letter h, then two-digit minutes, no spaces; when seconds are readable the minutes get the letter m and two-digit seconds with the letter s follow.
6h58
